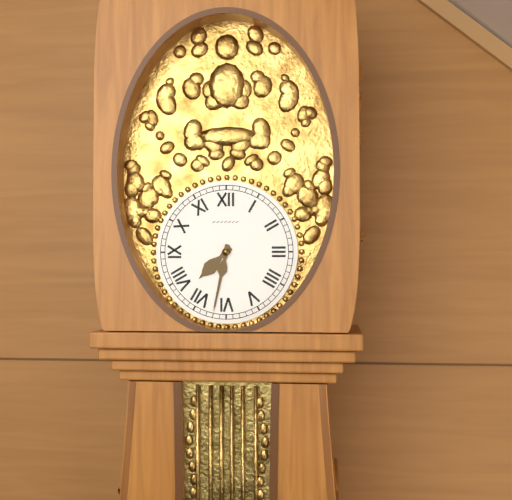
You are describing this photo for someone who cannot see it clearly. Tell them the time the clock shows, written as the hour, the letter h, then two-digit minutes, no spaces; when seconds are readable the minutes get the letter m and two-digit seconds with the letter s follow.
7h32
